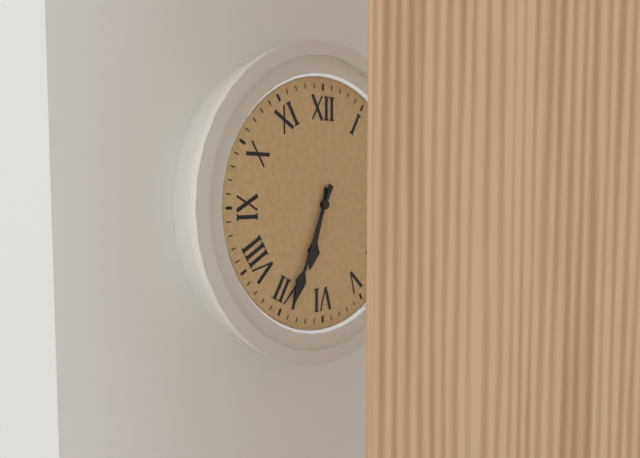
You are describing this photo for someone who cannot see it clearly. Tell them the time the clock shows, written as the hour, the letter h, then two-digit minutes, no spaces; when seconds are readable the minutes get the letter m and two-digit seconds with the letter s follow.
6h34
